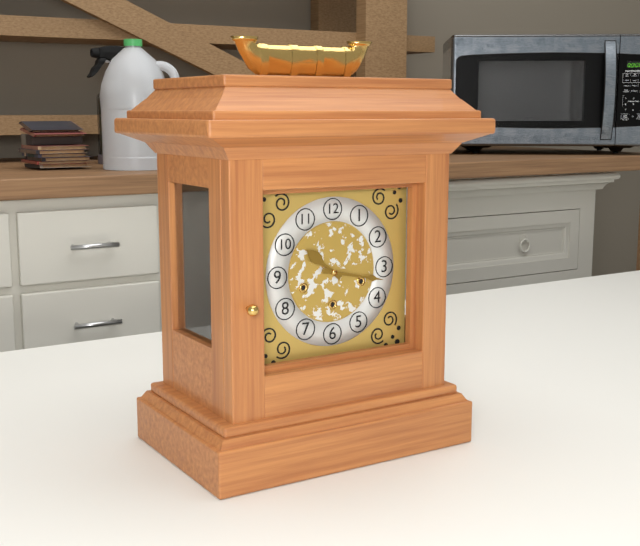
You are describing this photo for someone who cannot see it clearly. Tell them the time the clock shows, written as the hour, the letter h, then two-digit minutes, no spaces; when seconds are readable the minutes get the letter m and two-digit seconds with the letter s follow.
10h17
